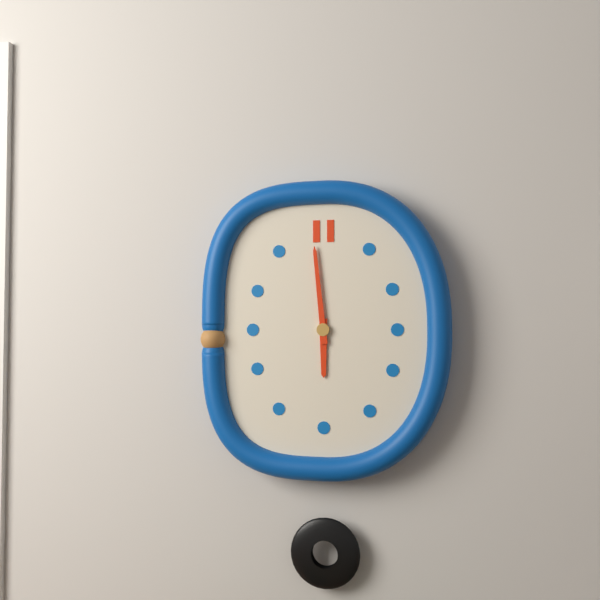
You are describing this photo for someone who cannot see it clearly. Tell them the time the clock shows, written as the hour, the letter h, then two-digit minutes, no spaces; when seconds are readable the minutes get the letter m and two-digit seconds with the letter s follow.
5h59
